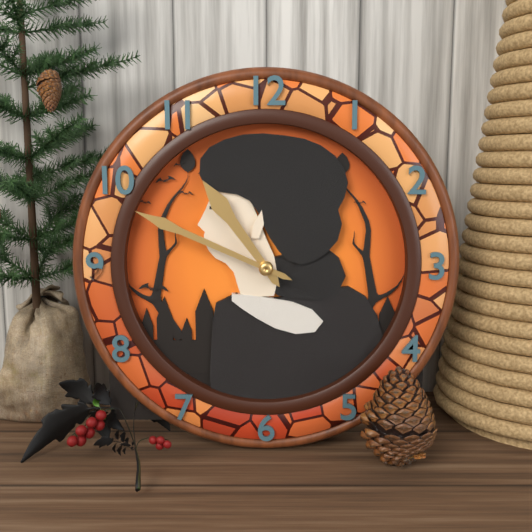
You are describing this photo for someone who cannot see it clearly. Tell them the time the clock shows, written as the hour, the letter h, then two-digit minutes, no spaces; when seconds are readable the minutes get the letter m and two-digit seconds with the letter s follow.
10h49
